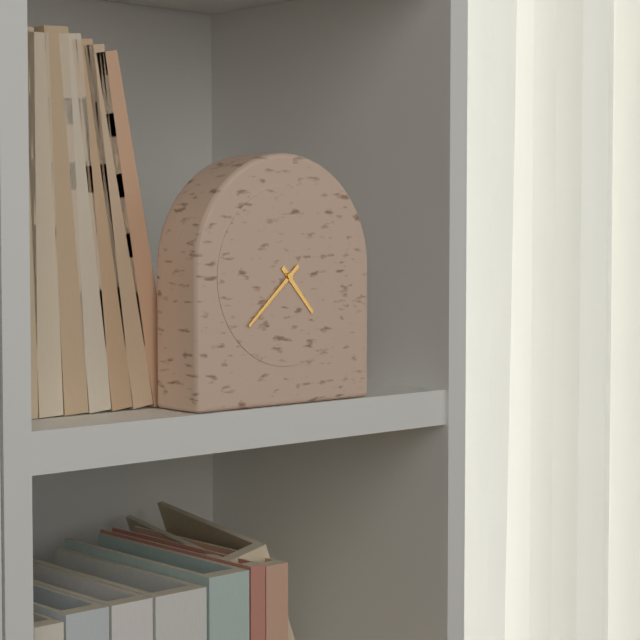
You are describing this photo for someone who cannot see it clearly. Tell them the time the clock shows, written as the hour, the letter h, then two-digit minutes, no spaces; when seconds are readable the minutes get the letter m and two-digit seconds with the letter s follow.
4h38
